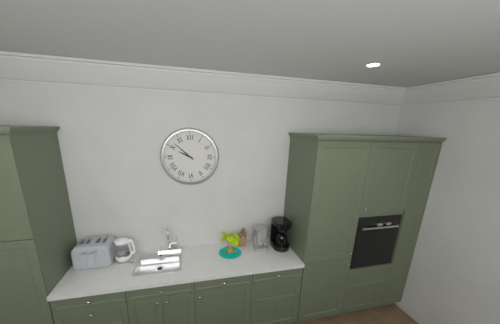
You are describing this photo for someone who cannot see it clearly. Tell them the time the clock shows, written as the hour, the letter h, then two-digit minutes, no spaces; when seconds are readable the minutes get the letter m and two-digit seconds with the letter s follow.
9h52
